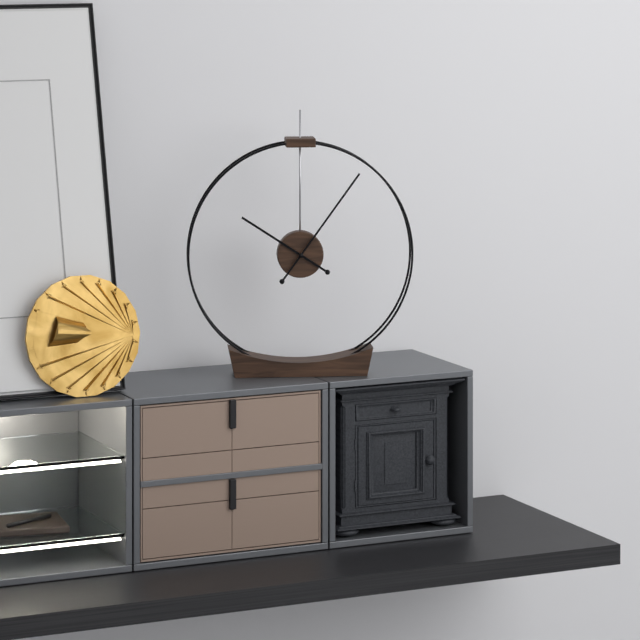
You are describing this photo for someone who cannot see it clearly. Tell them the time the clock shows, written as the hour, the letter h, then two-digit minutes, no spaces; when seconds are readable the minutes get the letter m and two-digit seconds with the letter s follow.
10h06
